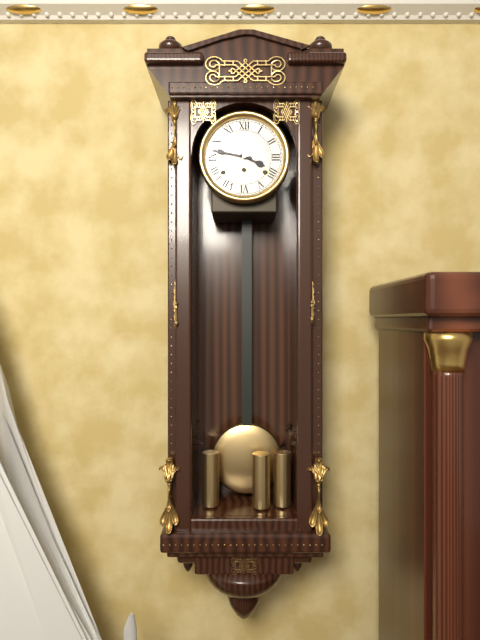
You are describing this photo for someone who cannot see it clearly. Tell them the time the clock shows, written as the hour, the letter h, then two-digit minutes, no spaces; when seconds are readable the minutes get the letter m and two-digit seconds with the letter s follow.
3h47
